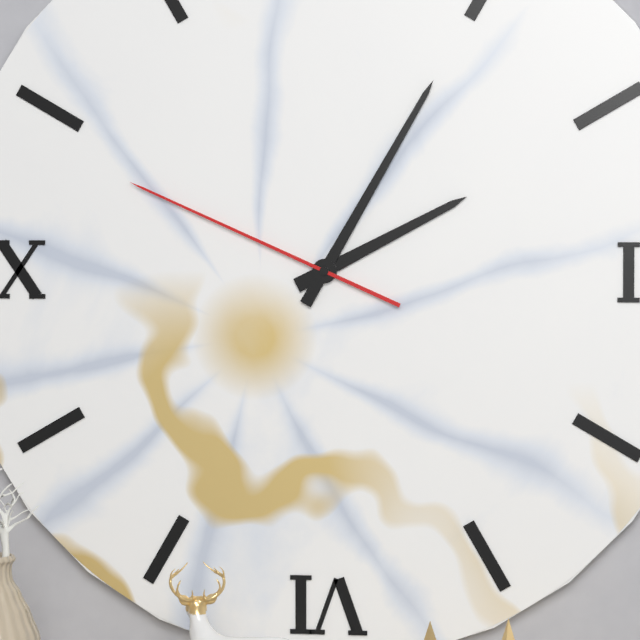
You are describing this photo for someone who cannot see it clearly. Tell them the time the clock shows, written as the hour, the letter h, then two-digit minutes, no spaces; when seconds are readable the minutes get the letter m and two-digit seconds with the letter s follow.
2h05m49s
